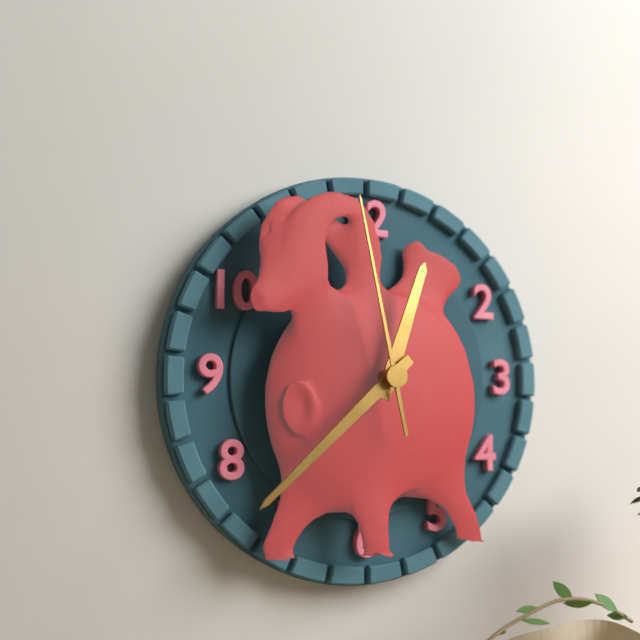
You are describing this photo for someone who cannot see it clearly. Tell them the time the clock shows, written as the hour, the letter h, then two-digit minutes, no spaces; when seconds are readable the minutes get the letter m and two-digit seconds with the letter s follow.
12h38m58s
